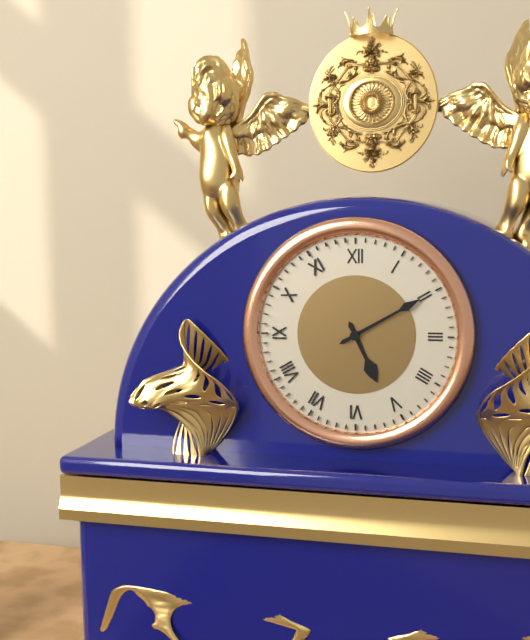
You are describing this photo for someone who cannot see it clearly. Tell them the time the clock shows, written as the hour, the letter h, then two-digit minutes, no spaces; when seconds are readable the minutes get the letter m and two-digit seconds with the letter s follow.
5h10
